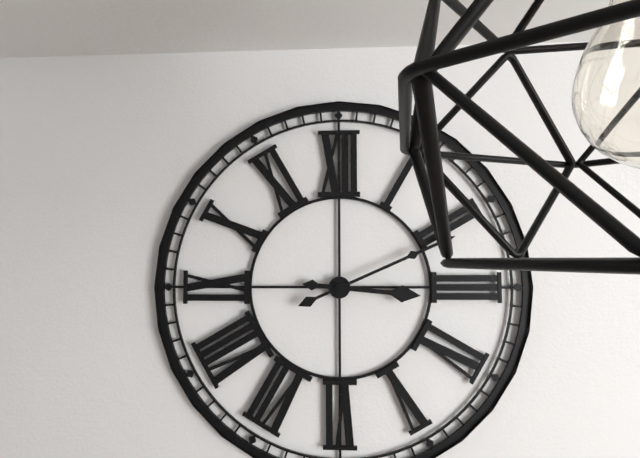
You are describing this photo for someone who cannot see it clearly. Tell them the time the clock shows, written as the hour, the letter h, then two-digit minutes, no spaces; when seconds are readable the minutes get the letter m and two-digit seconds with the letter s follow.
3h11
